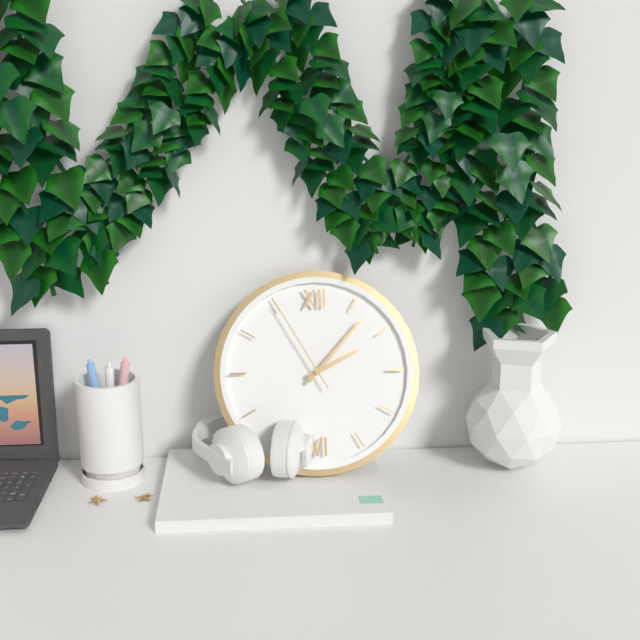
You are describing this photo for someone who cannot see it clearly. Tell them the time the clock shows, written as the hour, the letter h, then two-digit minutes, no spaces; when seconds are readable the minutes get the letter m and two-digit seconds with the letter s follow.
2h07m55s
